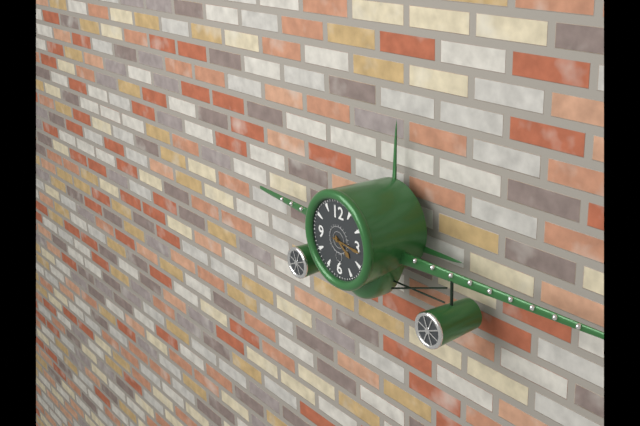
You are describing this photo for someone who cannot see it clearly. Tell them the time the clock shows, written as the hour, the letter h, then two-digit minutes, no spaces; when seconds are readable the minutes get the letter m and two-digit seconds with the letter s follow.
4h16
